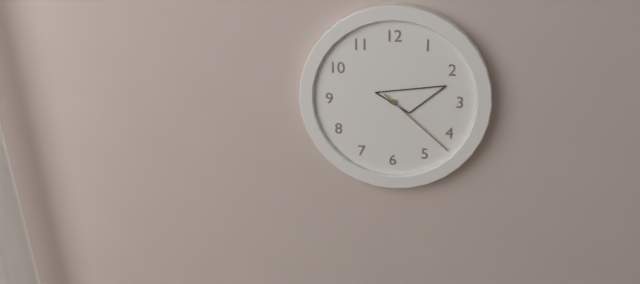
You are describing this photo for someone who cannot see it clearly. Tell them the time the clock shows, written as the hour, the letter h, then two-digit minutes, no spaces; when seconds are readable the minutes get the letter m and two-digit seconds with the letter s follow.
2h22
